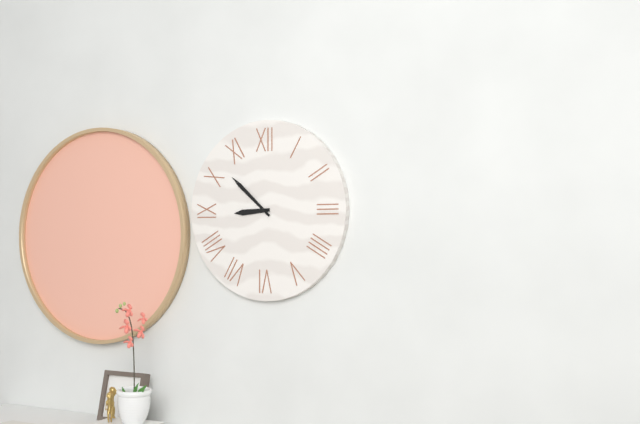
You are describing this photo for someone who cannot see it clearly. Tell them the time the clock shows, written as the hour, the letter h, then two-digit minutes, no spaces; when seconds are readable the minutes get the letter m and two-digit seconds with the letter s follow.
8h52
